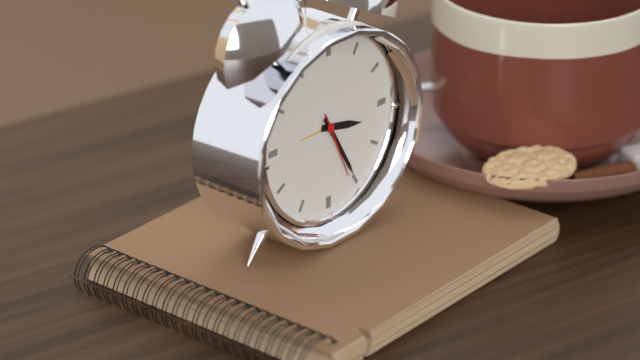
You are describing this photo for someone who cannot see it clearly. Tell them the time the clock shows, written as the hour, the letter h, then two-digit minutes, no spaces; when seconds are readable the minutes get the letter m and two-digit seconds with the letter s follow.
3h25m26s
